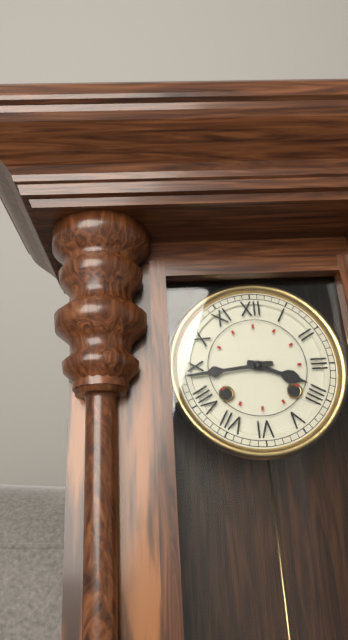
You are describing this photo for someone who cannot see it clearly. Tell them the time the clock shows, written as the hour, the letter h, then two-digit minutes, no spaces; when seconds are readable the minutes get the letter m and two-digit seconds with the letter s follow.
3h44
